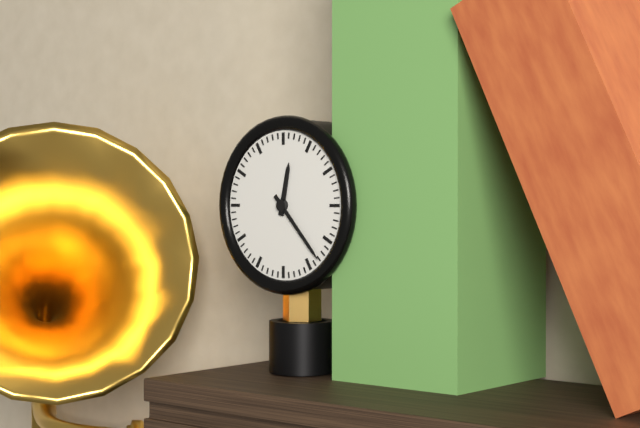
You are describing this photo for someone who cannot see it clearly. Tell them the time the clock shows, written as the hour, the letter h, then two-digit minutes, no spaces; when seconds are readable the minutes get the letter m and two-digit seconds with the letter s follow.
12h23
